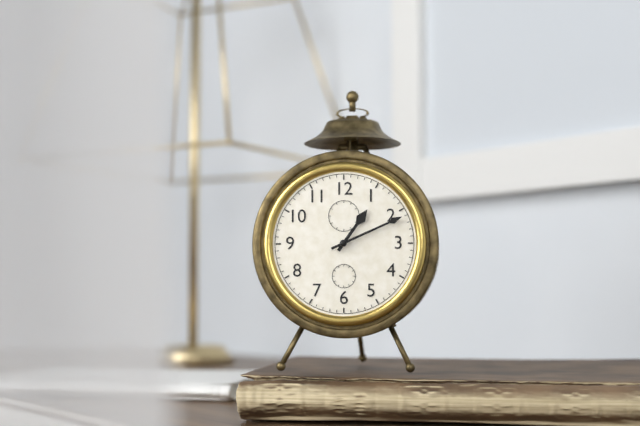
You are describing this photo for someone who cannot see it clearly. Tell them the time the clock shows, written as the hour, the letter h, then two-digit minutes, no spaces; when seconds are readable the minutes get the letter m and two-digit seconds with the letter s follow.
1h11
